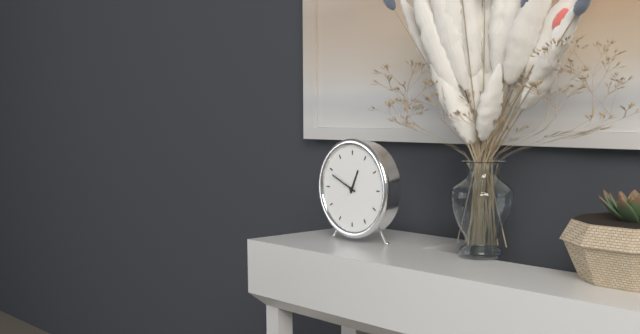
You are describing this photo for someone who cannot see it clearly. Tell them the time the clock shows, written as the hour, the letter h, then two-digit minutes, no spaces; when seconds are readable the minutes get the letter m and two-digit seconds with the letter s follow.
12h49
